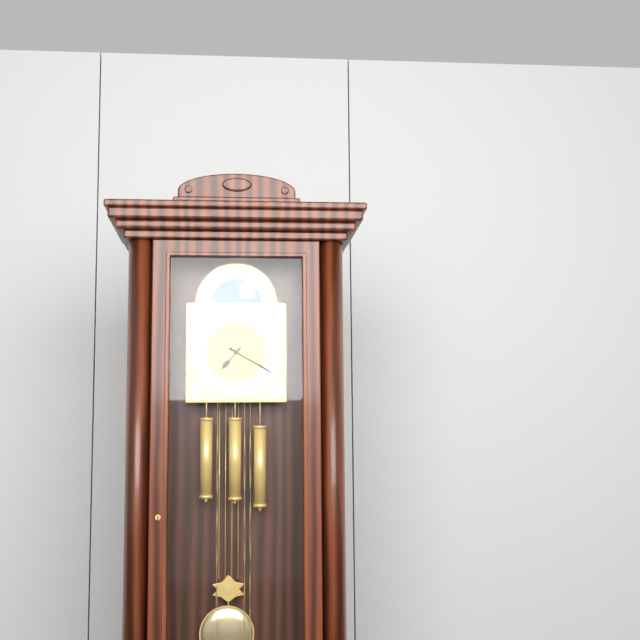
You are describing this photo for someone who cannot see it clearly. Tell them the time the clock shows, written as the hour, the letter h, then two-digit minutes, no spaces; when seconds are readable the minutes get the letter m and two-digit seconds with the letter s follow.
7h20
